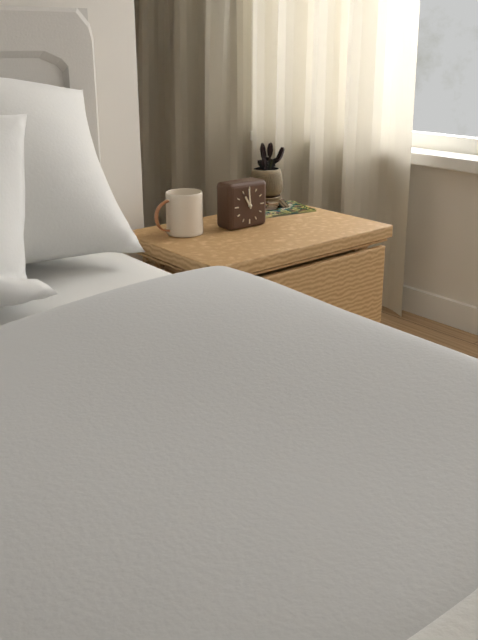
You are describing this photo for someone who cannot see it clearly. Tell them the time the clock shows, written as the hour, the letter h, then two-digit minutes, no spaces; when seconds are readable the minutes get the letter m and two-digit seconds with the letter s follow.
10h59
